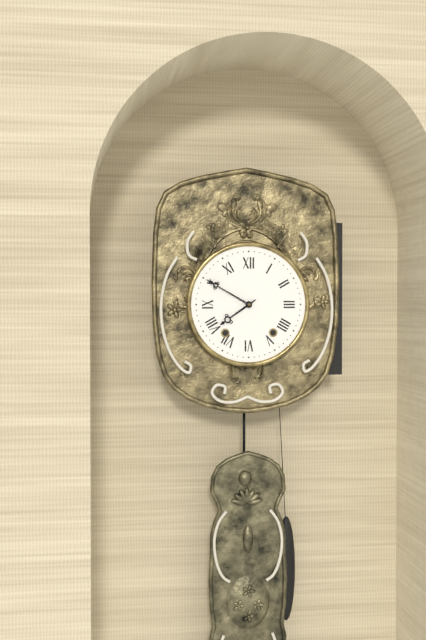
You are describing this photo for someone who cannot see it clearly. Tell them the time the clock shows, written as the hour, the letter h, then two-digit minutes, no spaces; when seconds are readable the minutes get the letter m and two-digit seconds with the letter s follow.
7h50
